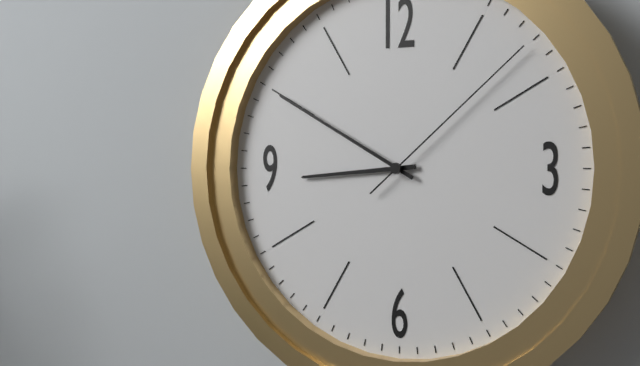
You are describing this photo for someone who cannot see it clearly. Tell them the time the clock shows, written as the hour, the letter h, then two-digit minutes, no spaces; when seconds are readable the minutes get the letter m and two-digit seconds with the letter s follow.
8h50m08s
